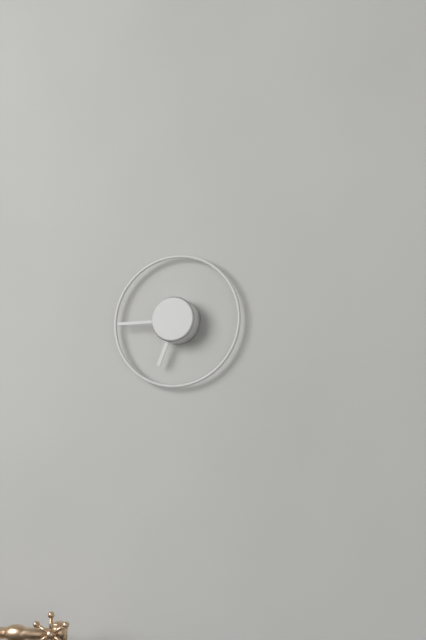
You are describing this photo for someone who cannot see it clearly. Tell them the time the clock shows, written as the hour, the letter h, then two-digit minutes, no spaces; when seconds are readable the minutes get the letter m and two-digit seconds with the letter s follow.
6h45
